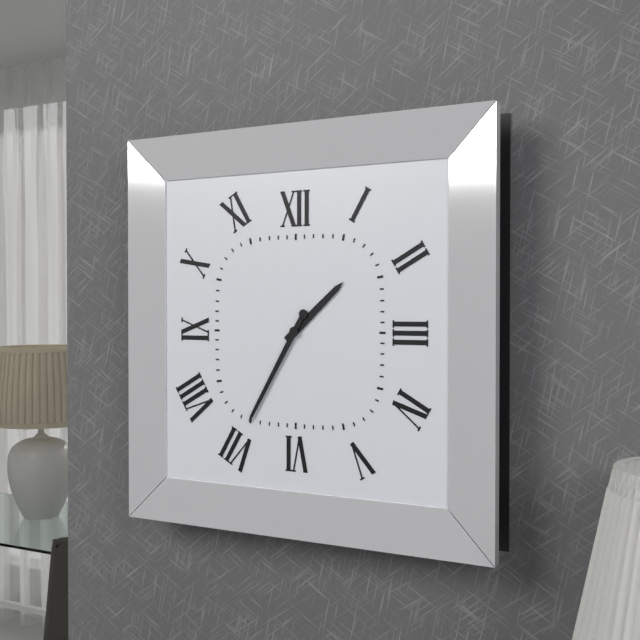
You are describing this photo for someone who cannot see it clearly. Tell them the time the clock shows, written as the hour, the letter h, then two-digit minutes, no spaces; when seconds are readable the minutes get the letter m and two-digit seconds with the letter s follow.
1h35
